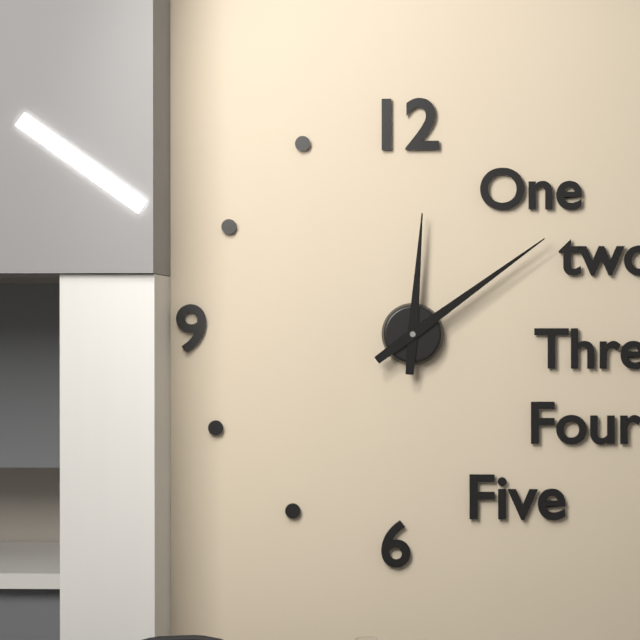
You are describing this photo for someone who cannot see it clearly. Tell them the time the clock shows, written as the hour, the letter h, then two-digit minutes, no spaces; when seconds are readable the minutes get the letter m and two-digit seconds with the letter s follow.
12h09
